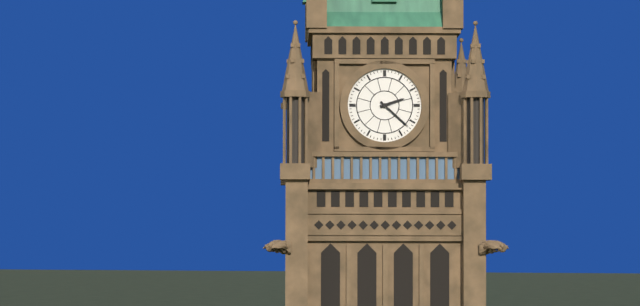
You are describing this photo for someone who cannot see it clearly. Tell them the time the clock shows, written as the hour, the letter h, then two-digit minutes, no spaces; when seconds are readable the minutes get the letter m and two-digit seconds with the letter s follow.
2h22
